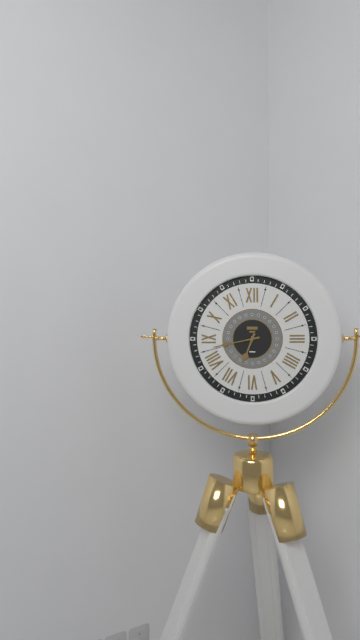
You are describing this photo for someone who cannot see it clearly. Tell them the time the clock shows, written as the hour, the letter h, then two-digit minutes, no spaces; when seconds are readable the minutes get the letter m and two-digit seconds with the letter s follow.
6h43
